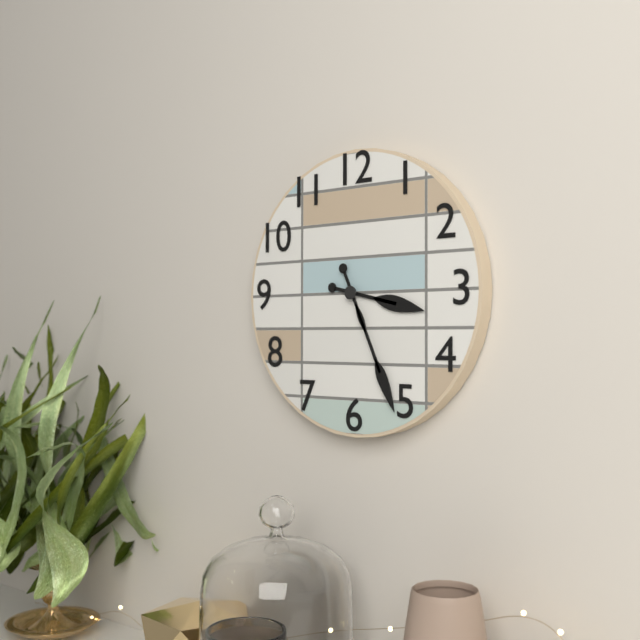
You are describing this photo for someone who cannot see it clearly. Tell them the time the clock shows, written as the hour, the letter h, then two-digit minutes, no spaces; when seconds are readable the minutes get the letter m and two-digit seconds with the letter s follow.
3h26
